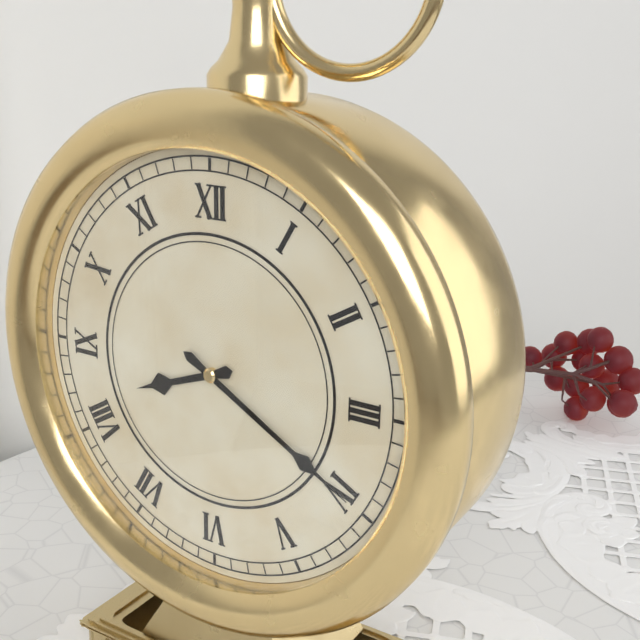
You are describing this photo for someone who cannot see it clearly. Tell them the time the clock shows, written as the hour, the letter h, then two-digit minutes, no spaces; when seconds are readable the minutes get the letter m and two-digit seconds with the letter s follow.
8h20
